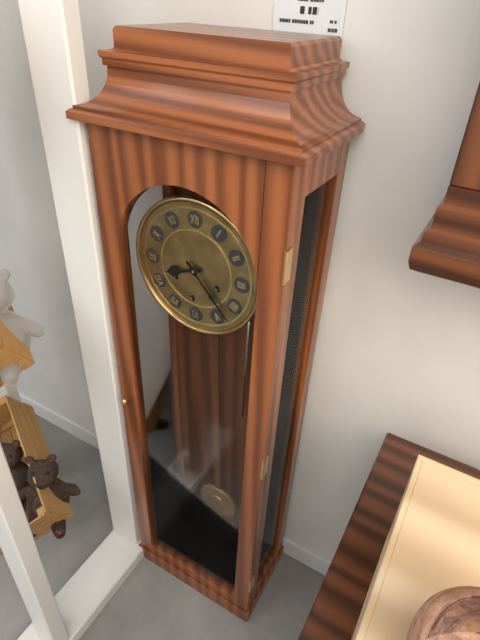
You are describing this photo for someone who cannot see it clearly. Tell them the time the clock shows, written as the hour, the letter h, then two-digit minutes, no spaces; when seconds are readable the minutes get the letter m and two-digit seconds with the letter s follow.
8h23
